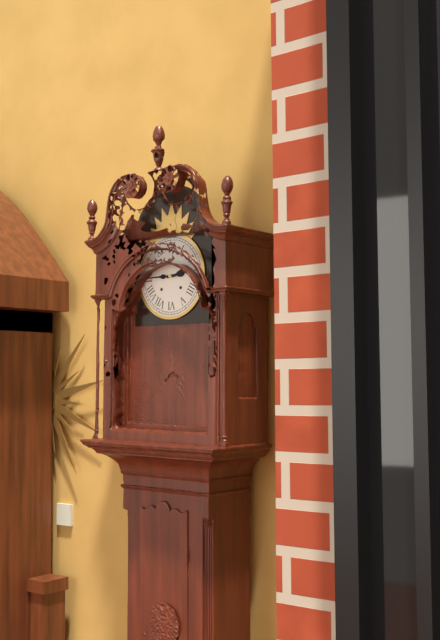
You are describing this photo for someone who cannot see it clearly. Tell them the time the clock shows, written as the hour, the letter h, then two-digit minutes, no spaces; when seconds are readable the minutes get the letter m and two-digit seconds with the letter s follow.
2h45
